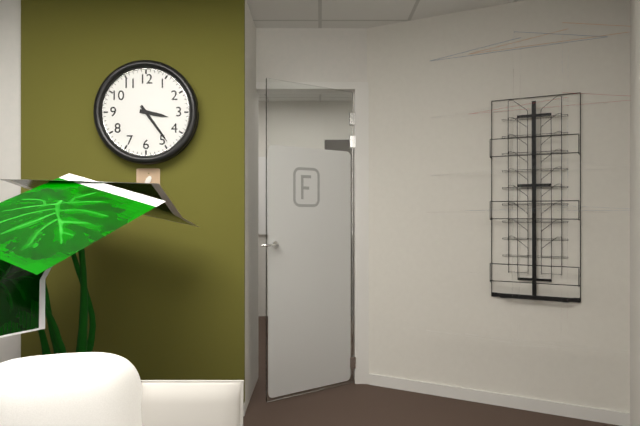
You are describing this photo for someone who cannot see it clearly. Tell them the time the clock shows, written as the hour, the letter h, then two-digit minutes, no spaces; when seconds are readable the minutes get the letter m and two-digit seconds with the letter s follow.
3h24
